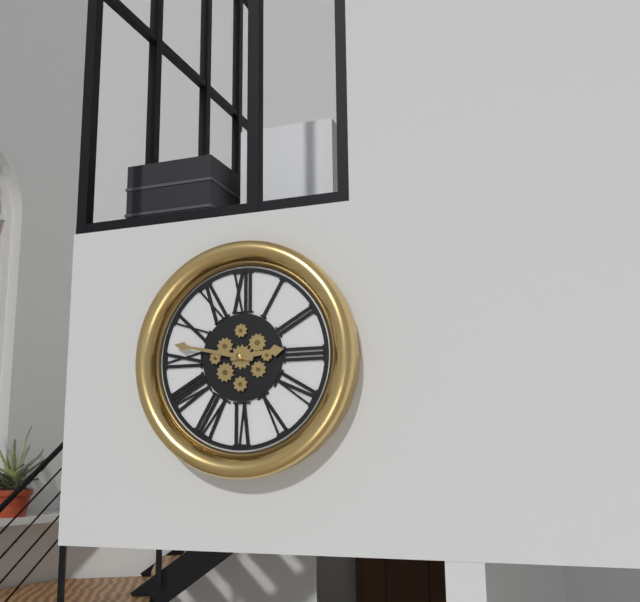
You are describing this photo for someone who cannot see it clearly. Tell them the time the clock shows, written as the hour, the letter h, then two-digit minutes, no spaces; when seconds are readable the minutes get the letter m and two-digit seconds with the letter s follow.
2h47
